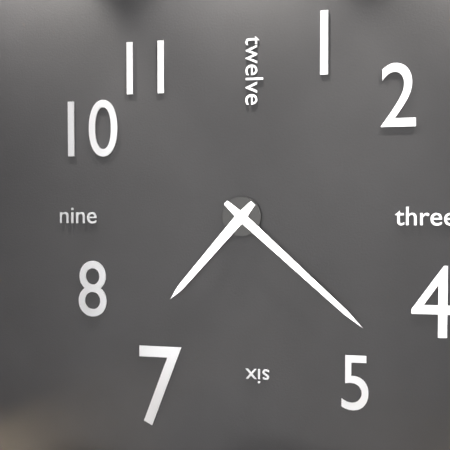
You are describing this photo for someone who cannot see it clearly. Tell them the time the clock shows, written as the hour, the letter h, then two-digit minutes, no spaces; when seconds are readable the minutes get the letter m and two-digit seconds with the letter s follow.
7h22
